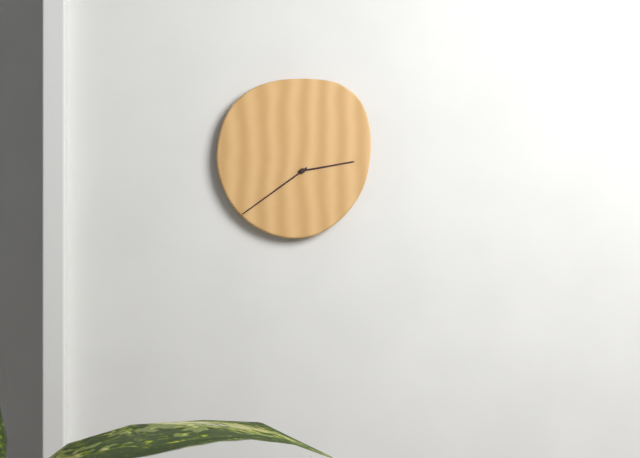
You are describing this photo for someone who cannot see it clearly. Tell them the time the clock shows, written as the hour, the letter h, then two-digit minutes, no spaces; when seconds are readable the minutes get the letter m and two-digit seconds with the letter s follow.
2h39
